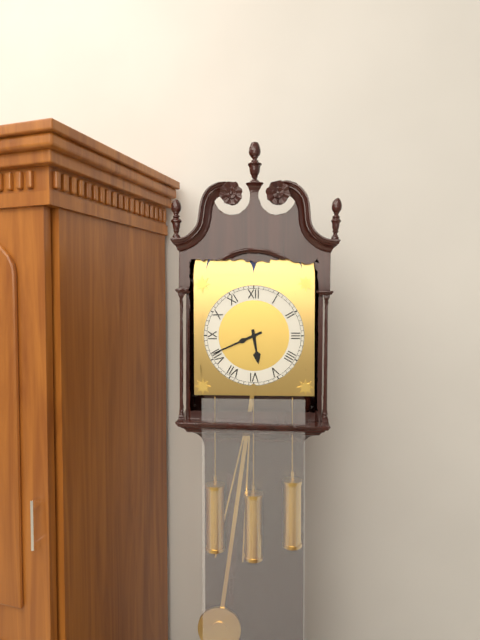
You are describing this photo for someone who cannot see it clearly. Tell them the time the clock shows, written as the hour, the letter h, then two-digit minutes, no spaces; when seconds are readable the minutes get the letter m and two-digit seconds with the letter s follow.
5h41
